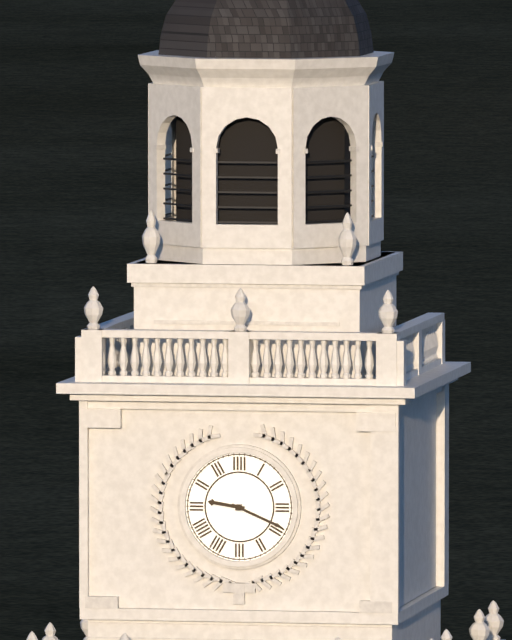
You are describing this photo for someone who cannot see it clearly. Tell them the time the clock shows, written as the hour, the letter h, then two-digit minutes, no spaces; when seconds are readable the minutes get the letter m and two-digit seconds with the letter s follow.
9h19
